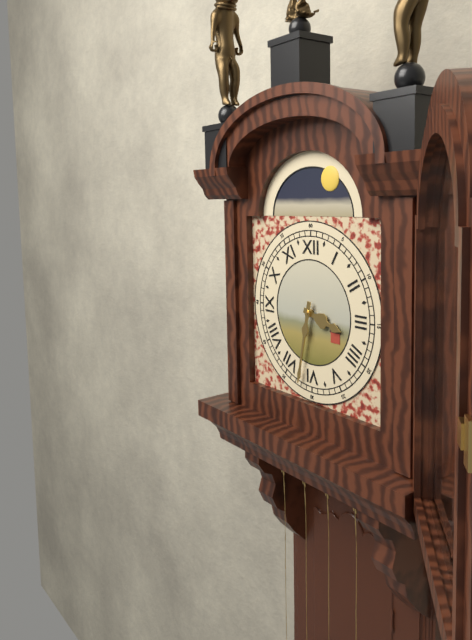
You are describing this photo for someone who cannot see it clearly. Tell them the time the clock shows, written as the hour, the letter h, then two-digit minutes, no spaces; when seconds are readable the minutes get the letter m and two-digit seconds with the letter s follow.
3h32
